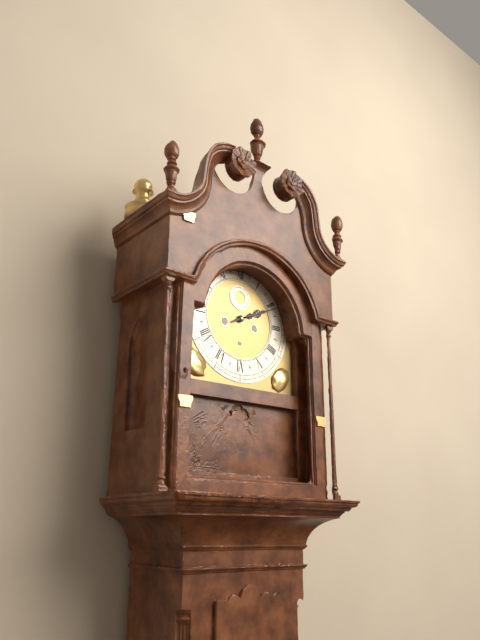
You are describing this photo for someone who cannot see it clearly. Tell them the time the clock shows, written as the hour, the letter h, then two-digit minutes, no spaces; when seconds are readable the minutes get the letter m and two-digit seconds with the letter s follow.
2h11
